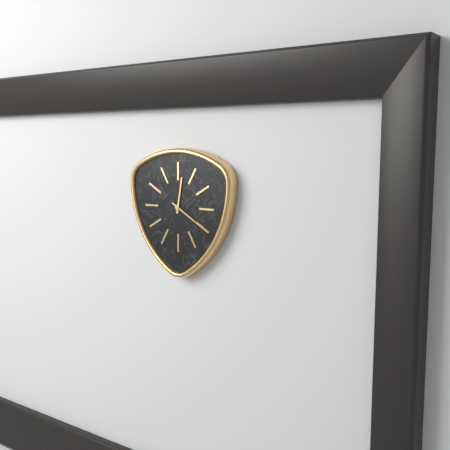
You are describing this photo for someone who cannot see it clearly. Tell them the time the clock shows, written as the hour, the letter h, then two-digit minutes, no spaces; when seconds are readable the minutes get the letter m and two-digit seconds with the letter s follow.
12h20
